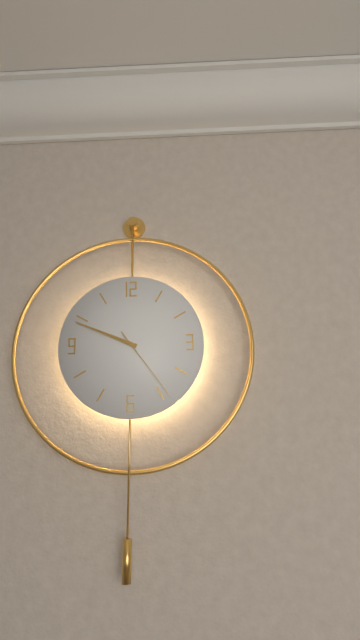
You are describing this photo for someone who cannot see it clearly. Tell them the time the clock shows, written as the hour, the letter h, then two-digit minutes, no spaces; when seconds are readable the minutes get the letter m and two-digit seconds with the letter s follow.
9h49m24s
